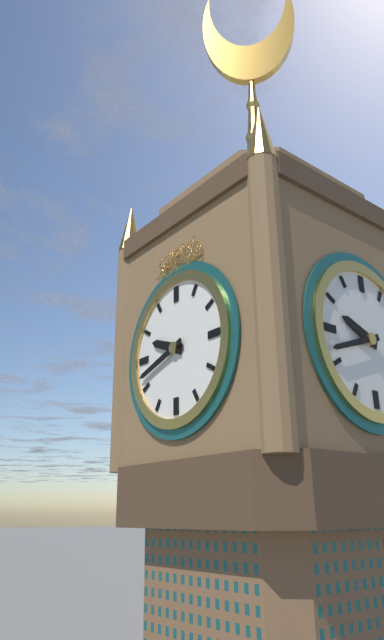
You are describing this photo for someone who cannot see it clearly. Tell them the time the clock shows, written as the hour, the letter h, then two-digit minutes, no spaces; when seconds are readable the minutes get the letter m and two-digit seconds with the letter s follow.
9h42
